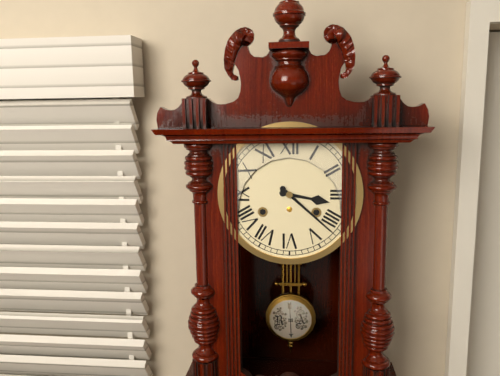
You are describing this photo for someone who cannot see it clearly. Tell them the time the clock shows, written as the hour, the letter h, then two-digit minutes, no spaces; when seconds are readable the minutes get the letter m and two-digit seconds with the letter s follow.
3h22
